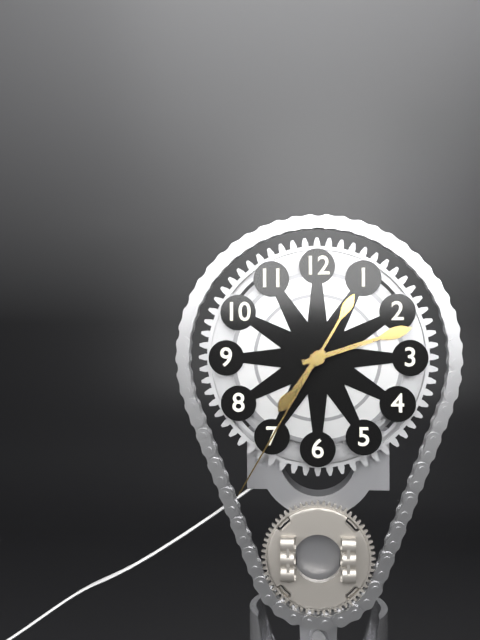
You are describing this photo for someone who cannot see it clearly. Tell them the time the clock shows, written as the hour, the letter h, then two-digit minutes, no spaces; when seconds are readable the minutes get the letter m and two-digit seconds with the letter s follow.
7h12m35s
